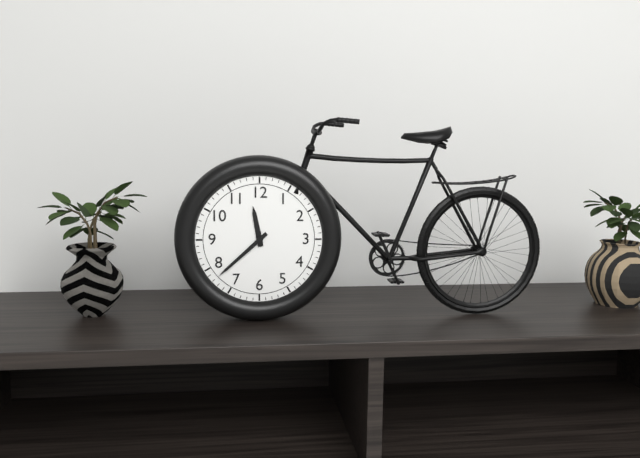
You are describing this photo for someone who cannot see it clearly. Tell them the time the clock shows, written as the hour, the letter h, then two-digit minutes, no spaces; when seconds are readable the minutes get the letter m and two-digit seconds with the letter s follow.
11h38
